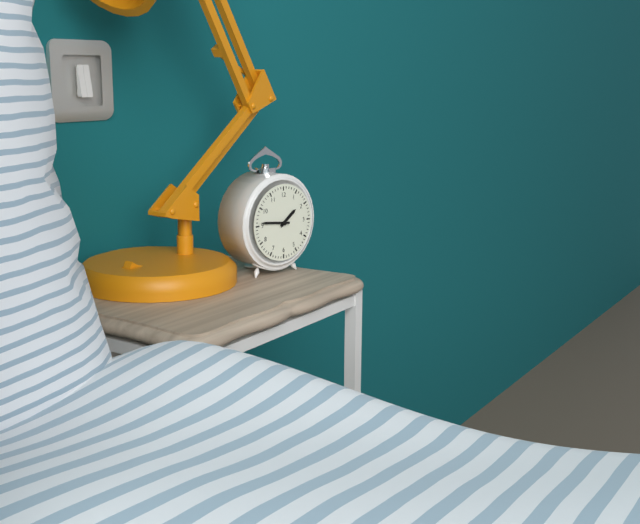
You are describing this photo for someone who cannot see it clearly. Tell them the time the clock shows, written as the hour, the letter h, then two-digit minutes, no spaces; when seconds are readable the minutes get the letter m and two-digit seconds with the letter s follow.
1h46
